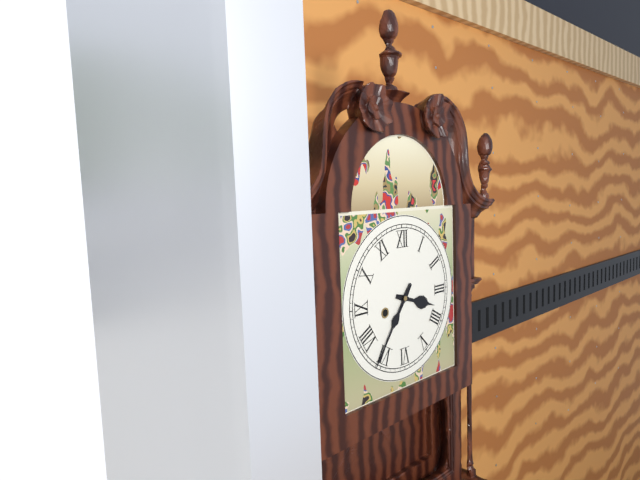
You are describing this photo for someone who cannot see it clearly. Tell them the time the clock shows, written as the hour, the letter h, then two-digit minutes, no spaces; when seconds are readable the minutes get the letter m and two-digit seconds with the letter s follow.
3h36
